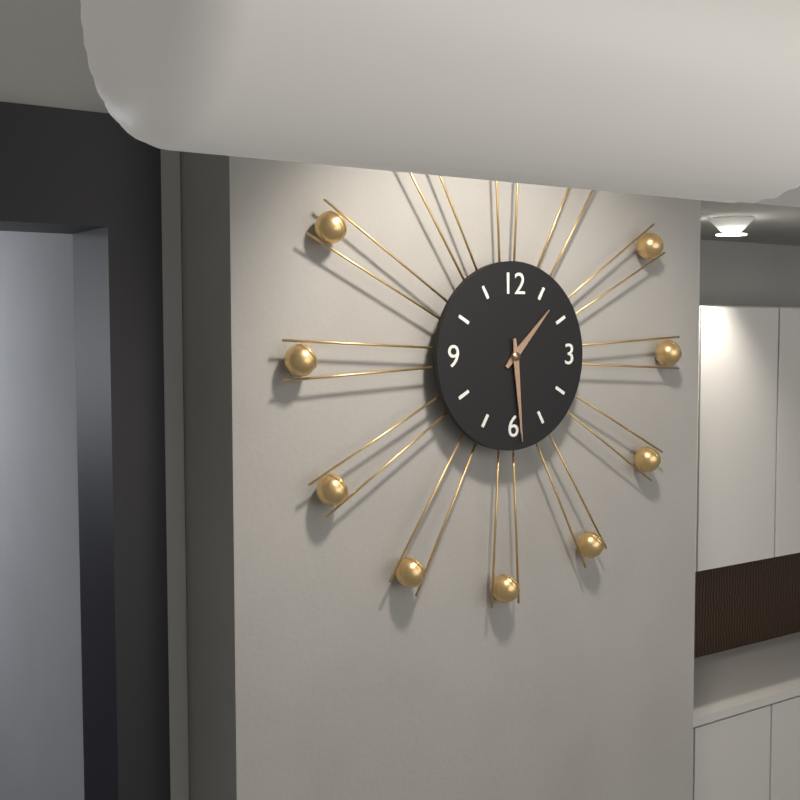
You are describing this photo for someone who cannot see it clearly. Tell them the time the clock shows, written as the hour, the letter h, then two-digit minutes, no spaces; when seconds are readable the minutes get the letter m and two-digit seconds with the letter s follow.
1h29
